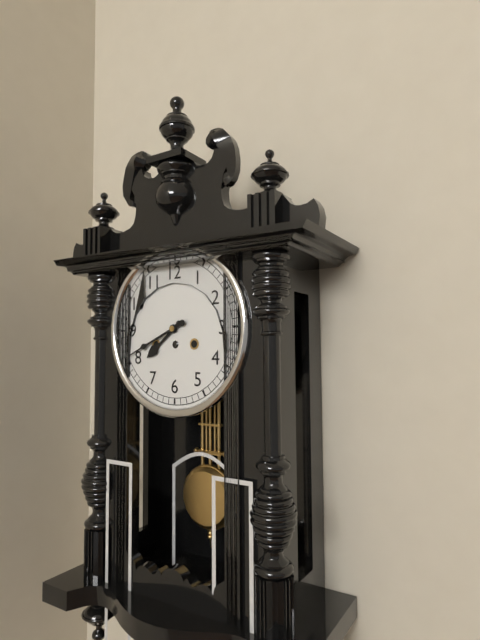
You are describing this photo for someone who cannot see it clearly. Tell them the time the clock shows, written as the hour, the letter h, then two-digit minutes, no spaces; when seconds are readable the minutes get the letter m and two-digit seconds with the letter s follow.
7h41
